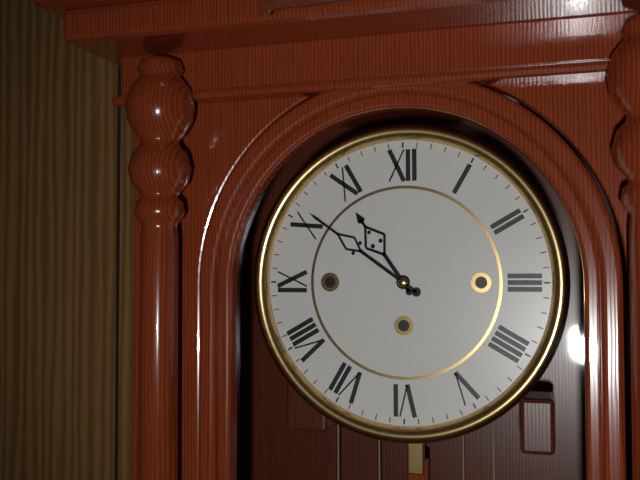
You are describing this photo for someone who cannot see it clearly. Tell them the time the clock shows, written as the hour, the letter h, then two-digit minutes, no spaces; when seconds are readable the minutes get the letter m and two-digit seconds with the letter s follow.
10h51
